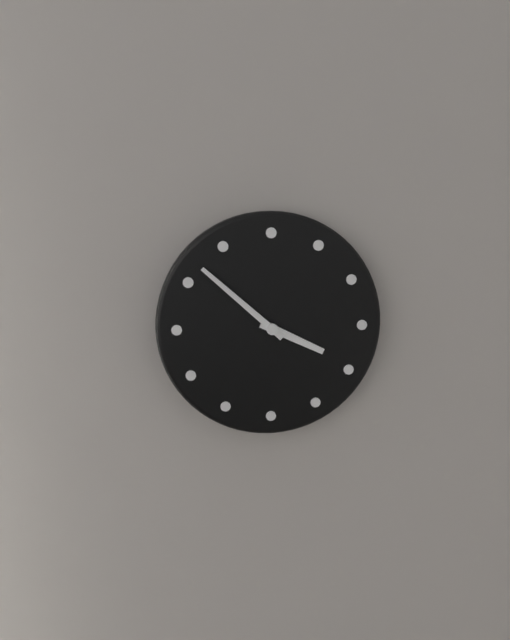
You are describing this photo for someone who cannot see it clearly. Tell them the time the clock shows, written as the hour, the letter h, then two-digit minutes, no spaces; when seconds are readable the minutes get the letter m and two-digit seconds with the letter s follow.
3h52
